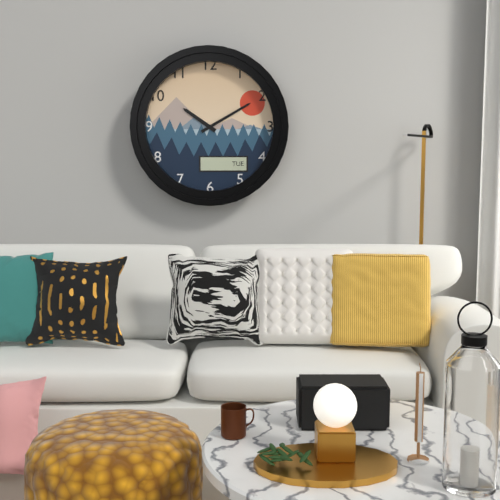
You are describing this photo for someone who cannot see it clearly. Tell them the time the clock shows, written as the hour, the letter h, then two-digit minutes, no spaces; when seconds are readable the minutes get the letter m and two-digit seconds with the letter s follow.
10h10
